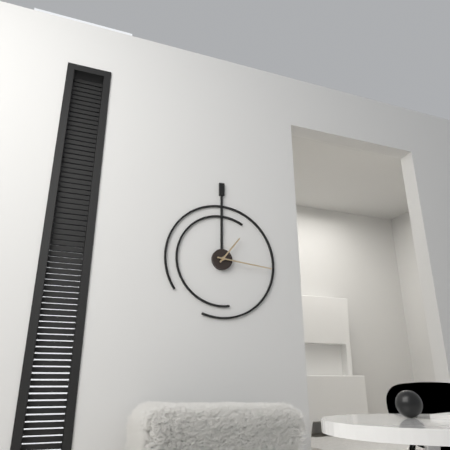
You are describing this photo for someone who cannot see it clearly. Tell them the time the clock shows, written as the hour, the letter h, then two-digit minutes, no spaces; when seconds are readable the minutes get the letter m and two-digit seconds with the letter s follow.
1h16
